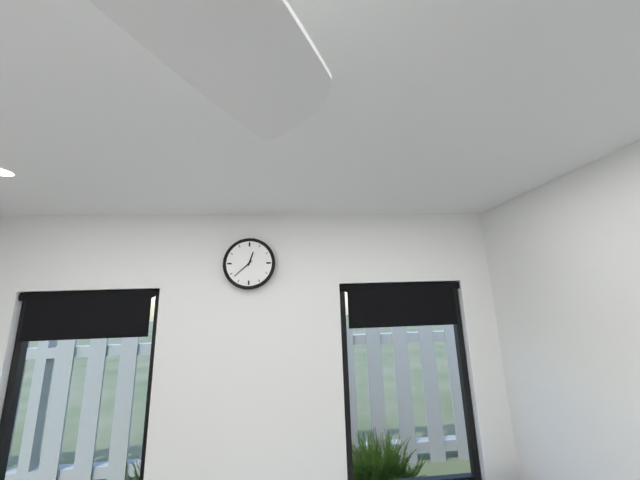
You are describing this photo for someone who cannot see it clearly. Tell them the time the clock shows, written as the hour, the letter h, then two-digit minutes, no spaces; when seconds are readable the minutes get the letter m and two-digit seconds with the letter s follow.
12h38
